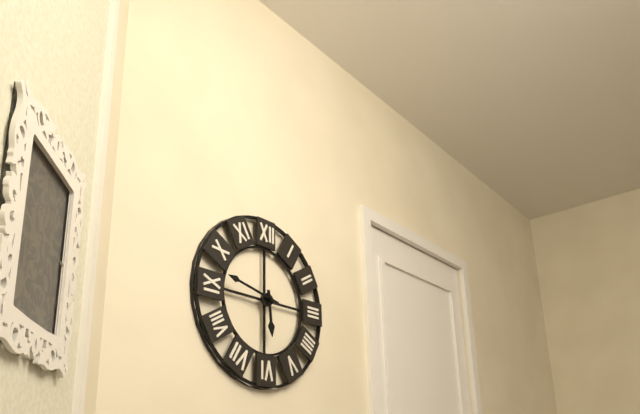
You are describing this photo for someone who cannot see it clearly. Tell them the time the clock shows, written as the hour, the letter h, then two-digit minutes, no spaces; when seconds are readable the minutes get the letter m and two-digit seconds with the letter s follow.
5h47
